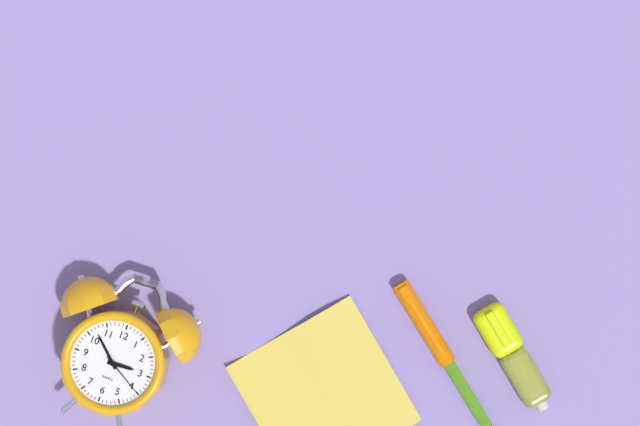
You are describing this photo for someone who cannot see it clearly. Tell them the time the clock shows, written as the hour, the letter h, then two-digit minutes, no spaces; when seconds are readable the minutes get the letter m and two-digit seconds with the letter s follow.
2h52
